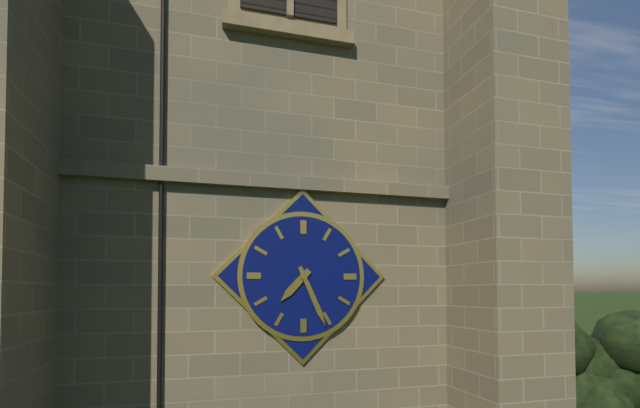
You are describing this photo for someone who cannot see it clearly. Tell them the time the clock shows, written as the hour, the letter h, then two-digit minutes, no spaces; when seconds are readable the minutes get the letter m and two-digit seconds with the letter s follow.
7h26
